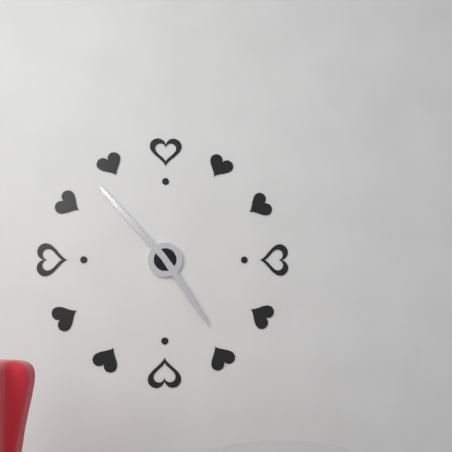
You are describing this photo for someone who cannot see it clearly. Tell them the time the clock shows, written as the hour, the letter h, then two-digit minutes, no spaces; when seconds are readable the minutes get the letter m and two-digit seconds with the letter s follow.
4h53
